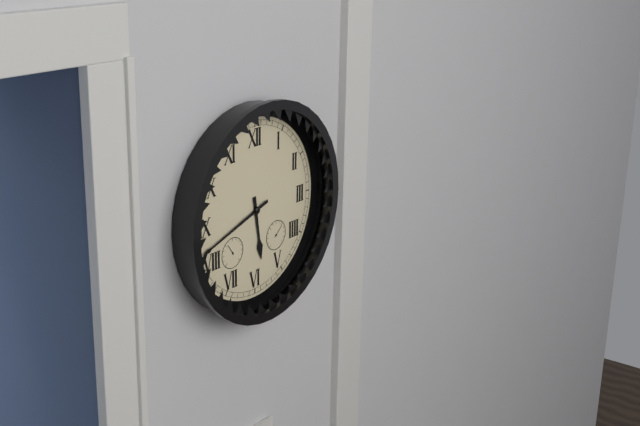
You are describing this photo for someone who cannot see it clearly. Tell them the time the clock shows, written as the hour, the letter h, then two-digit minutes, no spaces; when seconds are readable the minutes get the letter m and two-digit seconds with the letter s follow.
5h42
